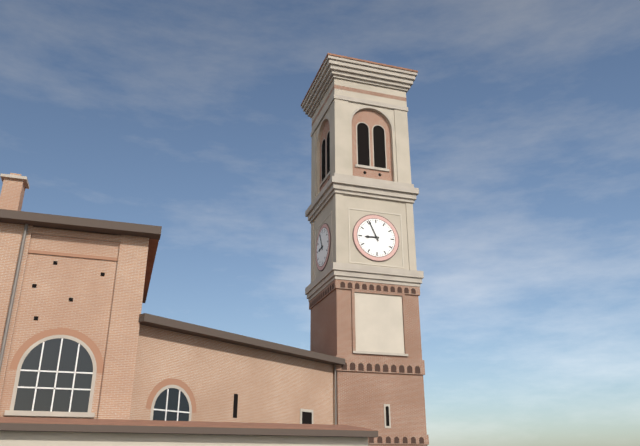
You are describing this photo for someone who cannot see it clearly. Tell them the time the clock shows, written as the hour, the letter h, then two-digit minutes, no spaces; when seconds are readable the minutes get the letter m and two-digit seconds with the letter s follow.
8h56
